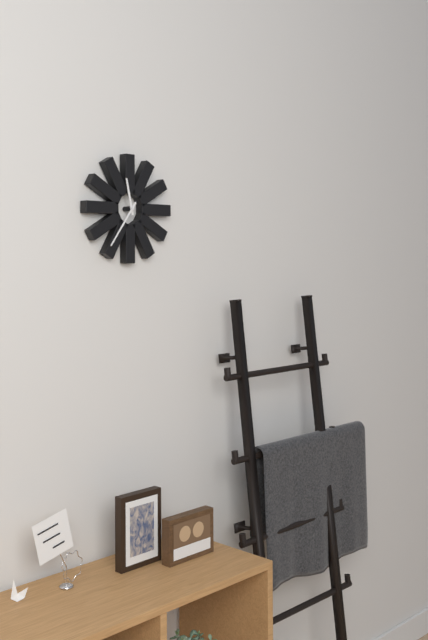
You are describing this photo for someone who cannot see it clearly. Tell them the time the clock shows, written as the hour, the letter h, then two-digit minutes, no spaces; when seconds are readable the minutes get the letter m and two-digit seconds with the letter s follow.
11h36
